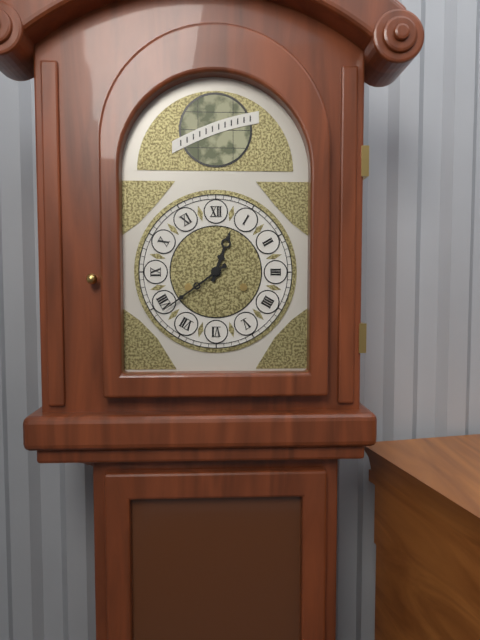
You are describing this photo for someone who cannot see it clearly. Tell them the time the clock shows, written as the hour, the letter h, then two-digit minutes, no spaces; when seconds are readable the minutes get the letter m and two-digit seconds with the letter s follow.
12h39
